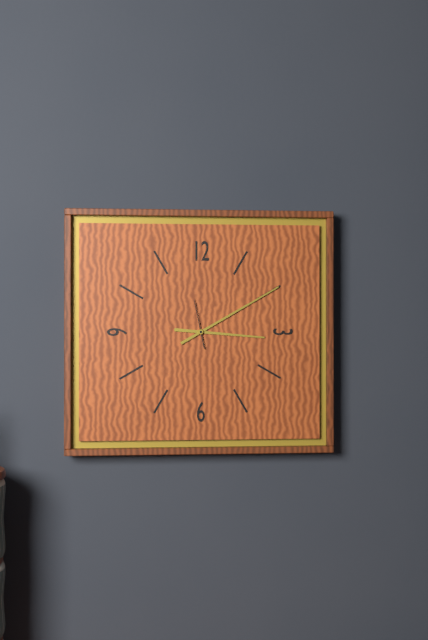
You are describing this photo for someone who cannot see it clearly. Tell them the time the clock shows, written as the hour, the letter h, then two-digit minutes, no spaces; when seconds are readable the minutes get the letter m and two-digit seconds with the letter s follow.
3h10
